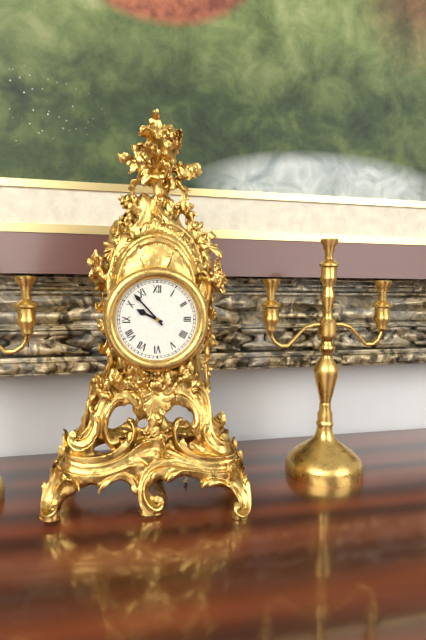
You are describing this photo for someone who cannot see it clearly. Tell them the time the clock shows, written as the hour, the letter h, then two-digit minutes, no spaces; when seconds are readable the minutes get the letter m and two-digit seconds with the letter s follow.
9h53
